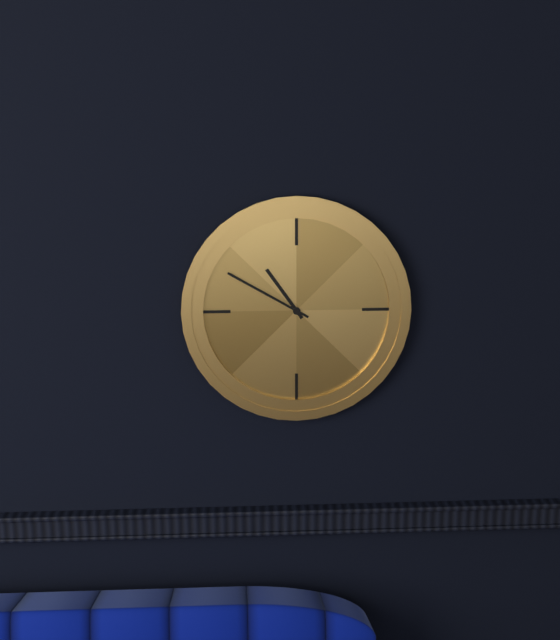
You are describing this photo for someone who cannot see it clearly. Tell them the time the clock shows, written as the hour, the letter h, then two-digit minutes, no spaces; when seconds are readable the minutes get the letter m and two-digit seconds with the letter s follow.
10h50
